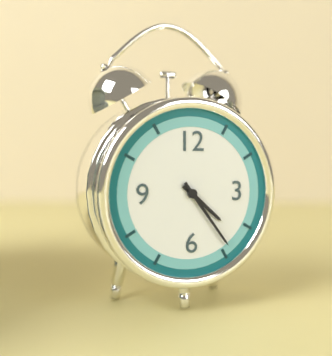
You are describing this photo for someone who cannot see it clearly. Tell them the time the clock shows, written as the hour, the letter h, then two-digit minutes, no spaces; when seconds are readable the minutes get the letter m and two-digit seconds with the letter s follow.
4h24
